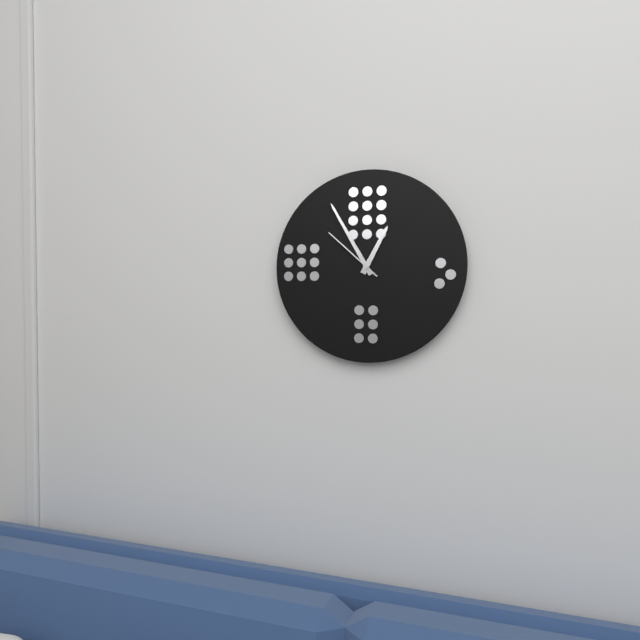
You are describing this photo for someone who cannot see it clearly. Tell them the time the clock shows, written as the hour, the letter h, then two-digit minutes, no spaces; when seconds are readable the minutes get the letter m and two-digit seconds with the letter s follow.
12h55m52s
